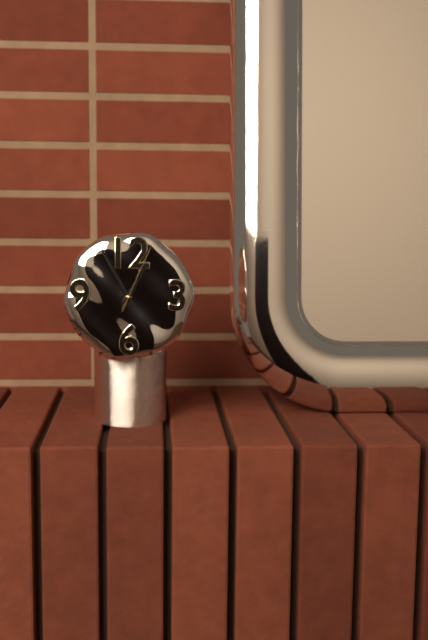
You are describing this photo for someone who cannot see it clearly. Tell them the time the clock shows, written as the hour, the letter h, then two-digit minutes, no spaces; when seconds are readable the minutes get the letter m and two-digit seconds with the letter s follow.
12h55m04s
